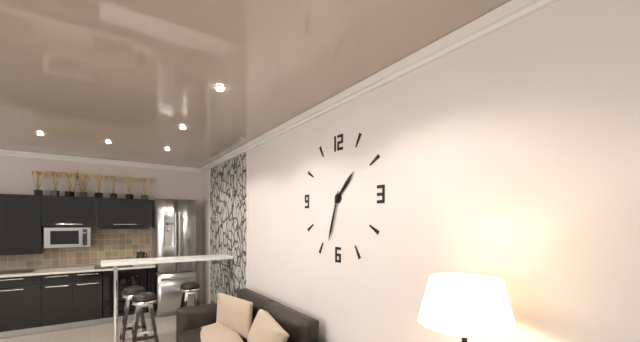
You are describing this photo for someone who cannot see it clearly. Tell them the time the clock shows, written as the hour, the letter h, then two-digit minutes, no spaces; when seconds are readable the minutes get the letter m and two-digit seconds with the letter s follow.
1h33
